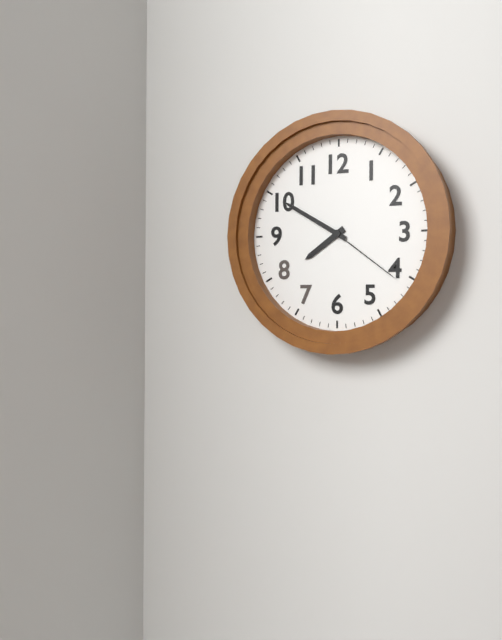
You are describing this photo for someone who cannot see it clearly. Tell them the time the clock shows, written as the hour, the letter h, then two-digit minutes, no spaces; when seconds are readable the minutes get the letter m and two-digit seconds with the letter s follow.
7h50m21s
